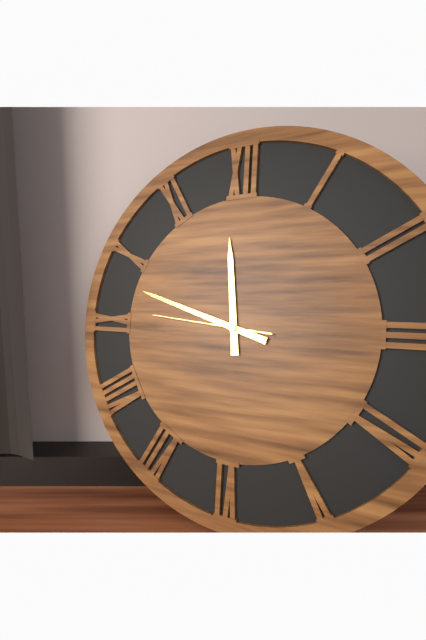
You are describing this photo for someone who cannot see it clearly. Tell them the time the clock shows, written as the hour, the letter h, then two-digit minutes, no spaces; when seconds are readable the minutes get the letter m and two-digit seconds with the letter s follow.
11h48m46s
